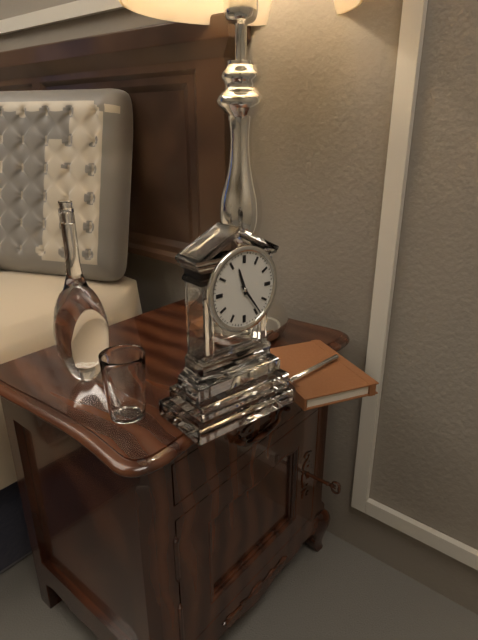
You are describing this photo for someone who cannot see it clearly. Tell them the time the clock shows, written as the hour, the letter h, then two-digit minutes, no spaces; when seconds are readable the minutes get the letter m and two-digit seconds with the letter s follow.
11h24
